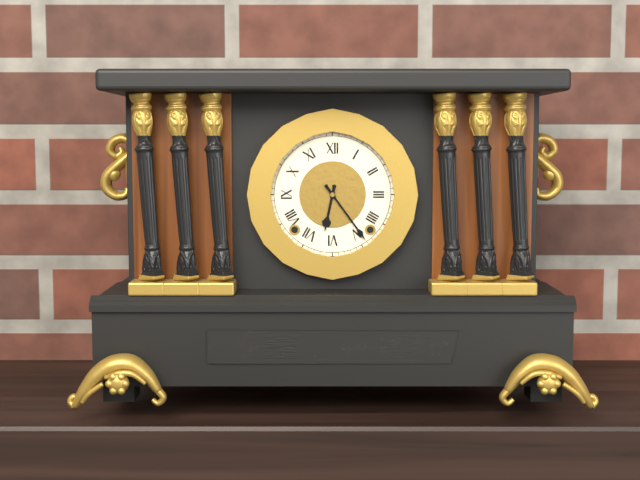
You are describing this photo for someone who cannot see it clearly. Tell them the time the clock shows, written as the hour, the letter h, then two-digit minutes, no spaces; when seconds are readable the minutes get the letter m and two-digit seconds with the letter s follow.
6h24
